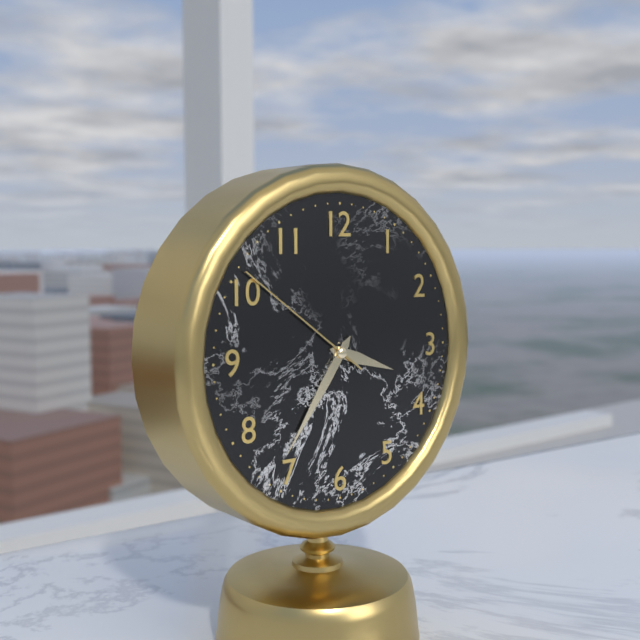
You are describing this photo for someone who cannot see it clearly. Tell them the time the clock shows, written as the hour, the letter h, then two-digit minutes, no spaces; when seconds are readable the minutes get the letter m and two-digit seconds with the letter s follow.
3h36m51s
